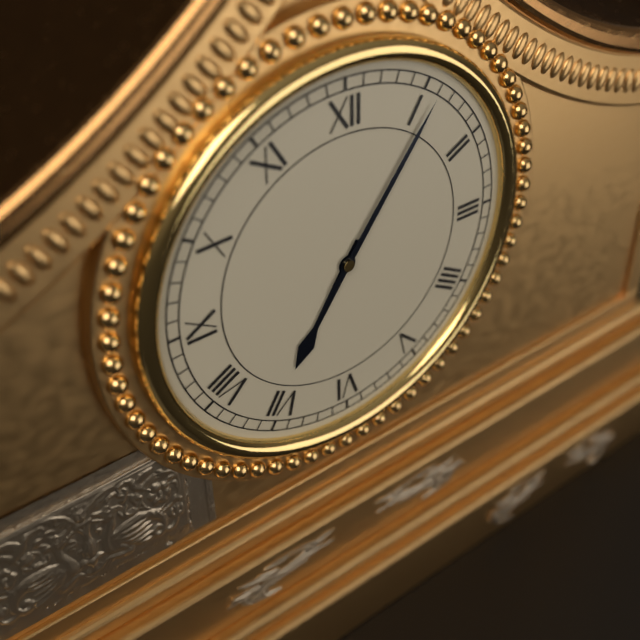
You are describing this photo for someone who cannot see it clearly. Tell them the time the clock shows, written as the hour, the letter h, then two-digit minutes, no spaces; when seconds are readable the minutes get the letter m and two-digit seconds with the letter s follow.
7h06
